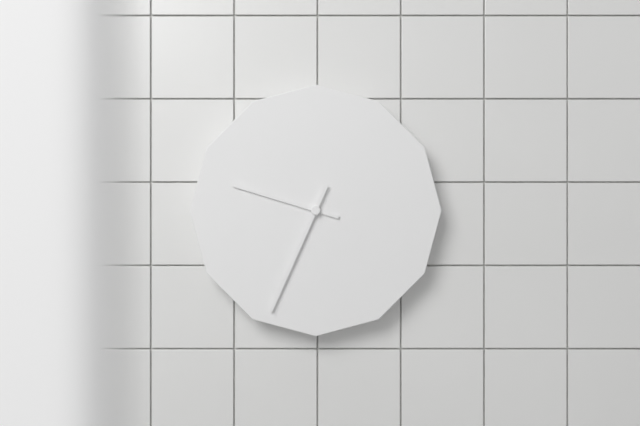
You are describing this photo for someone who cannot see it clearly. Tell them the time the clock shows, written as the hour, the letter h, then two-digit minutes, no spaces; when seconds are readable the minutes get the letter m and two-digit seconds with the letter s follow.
9h34
